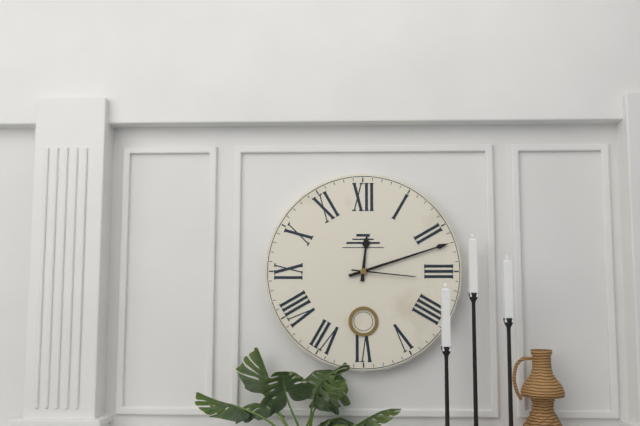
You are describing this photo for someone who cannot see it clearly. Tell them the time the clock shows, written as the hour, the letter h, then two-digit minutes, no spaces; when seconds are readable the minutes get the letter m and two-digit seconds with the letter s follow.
12h12m16s
